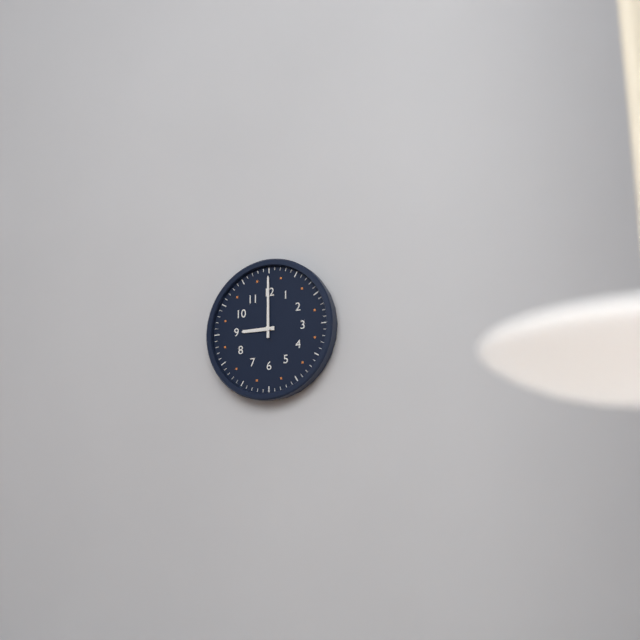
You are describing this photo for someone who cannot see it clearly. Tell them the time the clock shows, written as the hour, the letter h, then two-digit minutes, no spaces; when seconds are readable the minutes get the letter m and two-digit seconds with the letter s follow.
9h00
